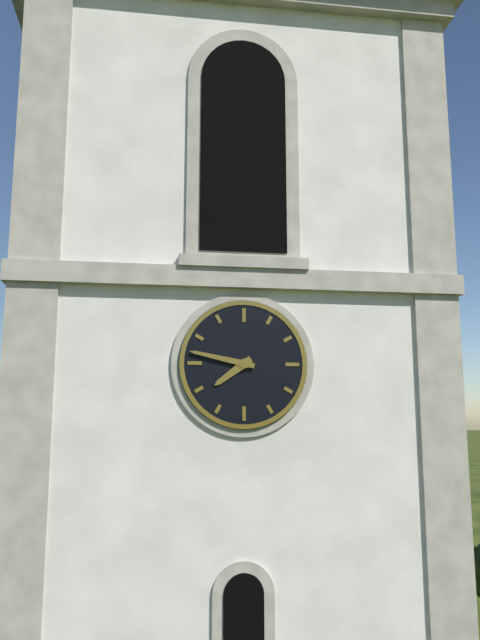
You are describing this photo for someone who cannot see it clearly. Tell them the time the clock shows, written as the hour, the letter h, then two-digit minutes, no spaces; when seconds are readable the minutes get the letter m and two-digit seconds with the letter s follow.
7h47
